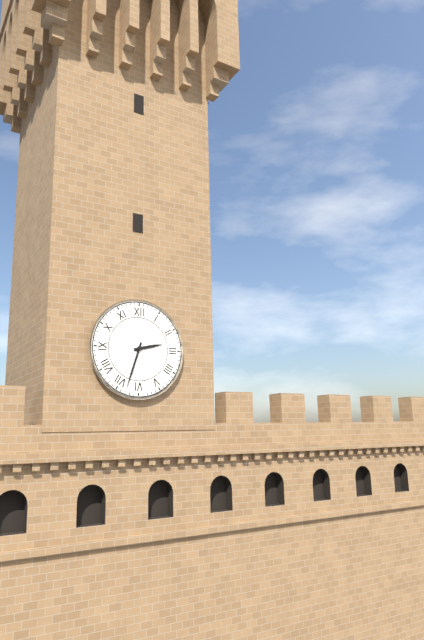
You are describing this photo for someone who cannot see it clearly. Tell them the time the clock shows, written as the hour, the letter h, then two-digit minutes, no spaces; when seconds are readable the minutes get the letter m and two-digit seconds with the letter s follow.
2h33
